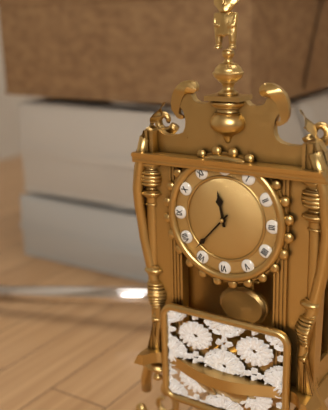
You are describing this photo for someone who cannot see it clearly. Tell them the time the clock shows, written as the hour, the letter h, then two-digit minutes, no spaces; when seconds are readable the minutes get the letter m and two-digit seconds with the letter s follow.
11h37
